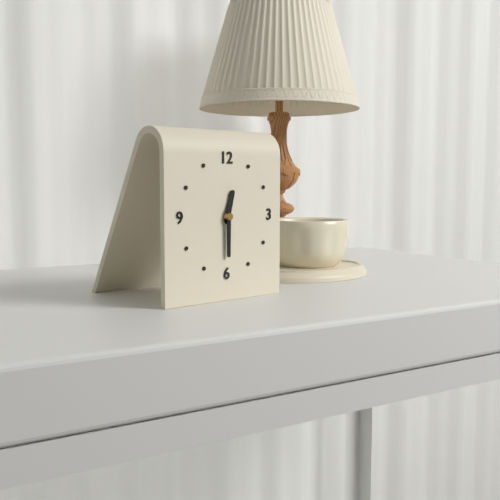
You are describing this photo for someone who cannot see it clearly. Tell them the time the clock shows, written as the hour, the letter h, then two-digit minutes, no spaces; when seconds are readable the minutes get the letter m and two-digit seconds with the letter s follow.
12h30
